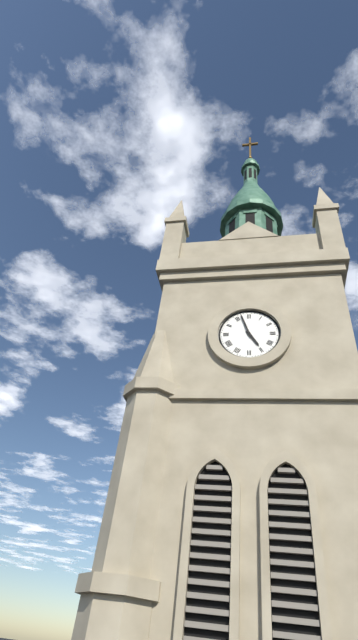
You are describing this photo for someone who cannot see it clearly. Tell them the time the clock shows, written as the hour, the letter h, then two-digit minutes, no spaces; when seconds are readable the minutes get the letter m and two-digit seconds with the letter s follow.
4h57
